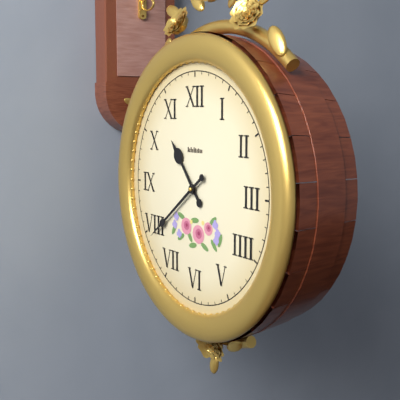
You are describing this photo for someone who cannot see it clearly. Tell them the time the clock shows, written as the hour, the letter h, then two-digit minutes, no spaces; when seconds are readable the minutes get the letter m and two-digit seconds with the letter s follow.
10h39
